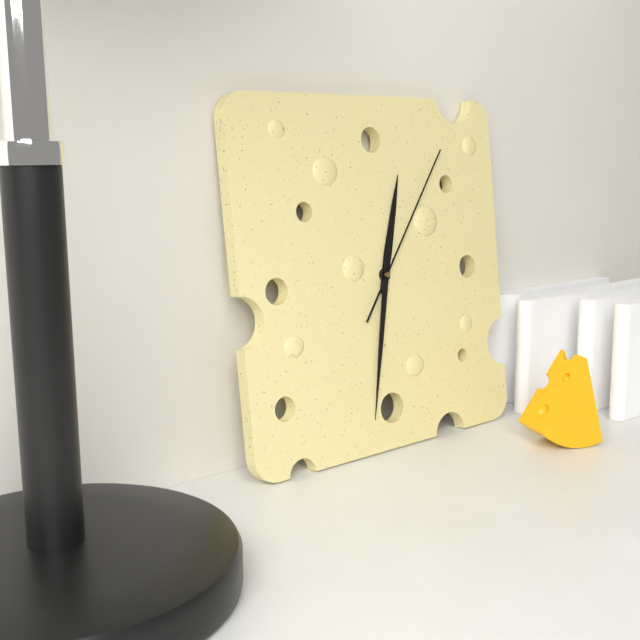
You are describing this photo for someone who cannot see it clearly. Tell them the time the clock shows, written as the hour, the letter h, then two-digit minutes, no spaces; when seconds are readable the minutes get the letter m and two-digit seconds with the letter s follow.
12h32m06s
